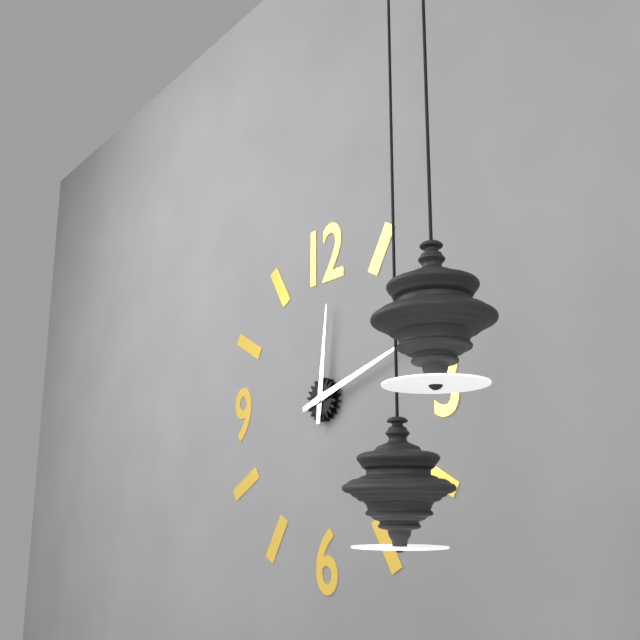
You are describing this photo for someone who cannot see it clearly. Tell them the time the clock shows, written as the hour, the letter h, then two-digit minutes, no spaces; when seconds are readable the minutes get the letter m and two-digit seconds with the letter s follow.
12h12
